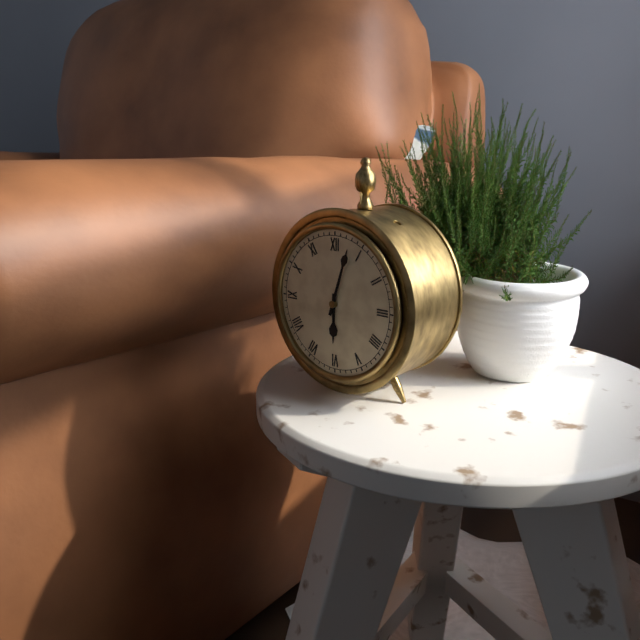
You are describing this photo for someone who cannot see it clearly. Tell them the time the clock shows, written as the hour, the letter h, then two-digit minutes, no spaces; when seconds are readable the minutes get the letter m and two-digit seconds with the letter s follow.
6h03
